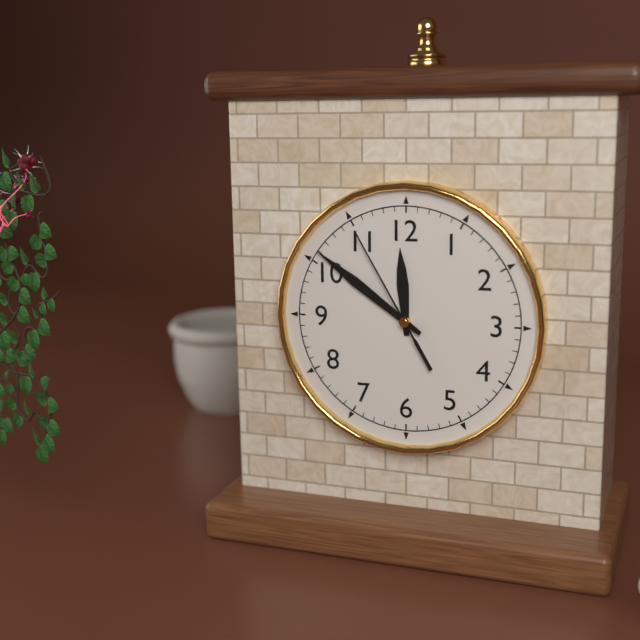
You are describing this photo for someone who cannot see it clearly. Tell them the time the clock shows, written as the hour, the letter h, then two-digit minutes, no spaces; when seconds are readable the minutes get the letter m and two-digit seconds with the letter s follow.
11h51m55s
